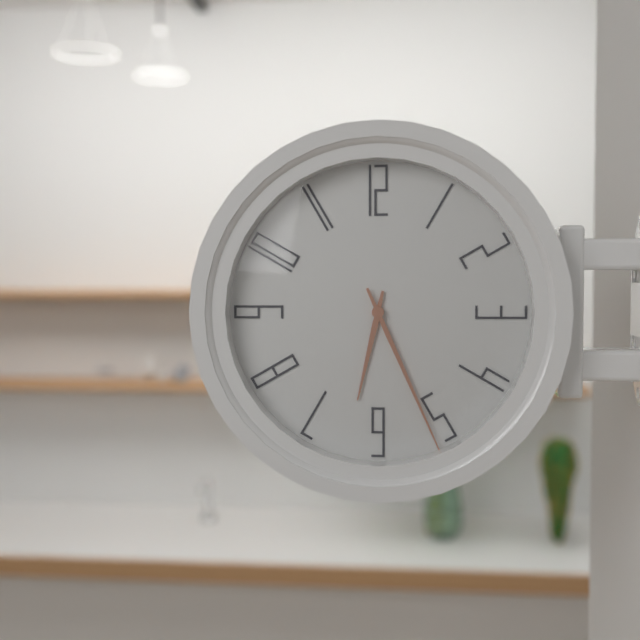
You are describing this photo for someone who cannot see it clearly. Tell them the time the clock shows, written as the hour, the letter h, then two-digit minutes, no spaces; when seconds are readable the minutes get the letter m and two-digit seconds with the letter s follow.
6h26
